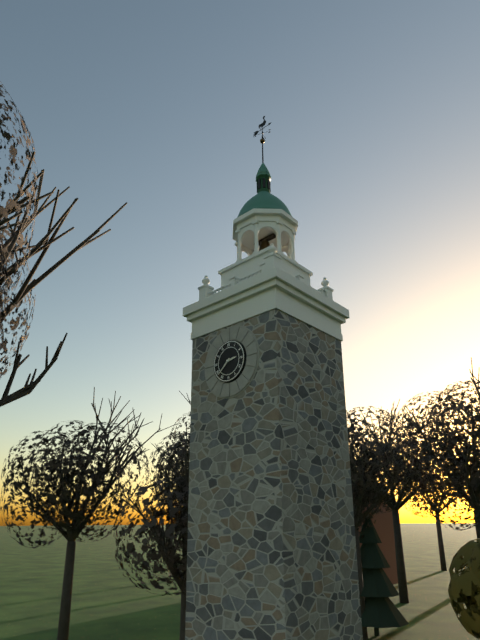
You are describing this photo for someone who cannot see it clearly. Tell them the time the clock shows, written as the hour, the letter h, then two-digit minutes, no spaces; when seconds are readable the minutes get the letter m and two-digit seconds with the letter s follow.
2h38
